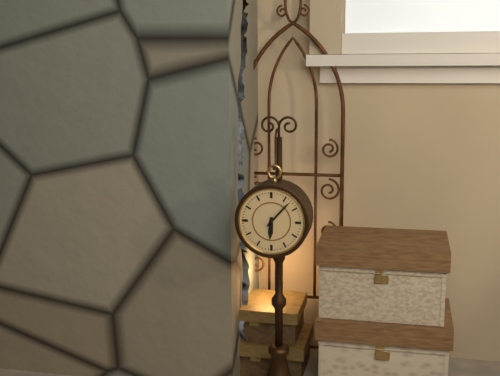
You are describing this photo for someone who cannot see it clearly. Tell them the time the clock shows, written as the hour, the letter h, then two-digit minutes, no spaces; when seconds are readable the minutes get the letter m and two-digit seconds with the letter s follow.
6h07
